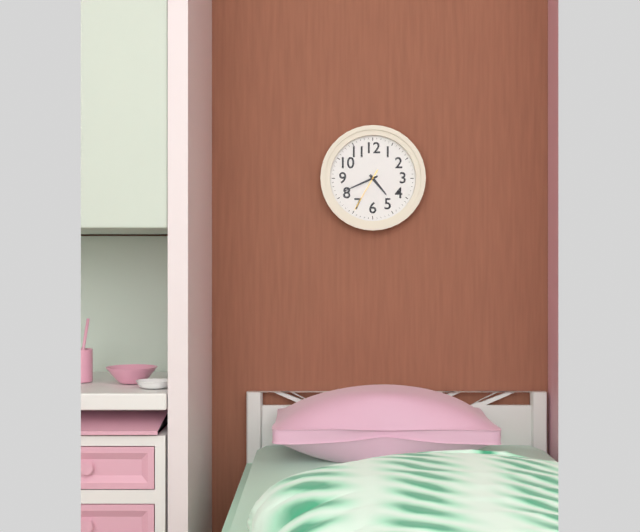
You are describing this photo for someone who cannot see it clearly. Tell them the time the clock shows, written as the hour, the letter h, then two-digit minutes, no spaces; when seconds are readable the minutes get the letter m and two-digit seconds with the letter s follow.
4h41
